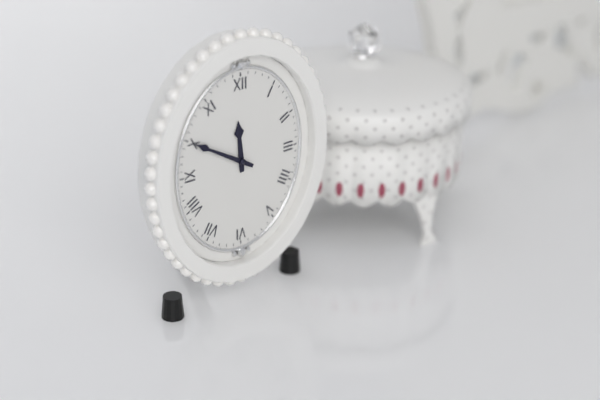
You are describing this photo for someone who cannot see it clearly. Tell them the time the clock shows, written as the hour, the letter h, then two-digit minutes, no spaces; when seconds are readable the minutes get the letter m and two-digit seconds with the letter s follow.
11h50
